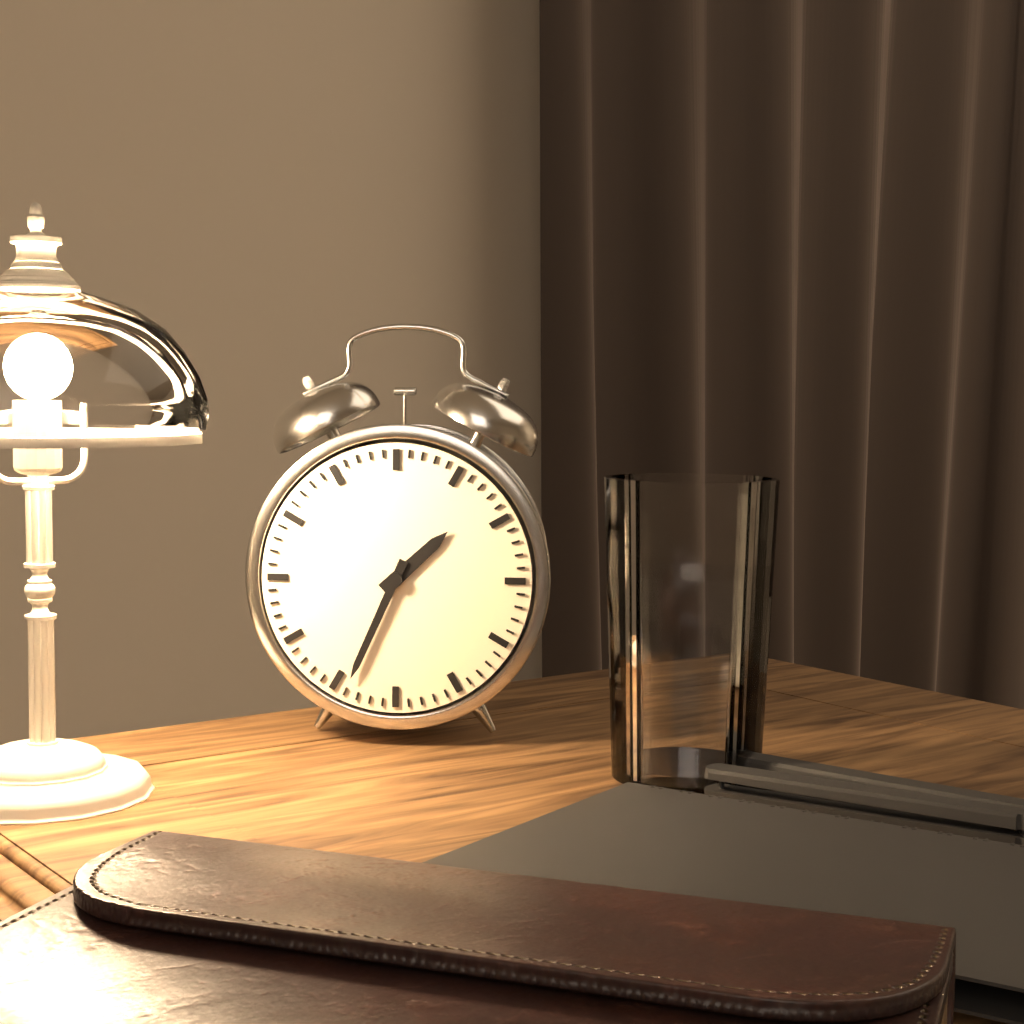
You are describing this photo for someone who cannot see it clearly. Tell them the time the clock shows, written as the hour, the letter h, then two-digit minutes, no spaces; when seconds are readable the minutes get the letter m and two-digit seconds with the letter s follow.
1h34
